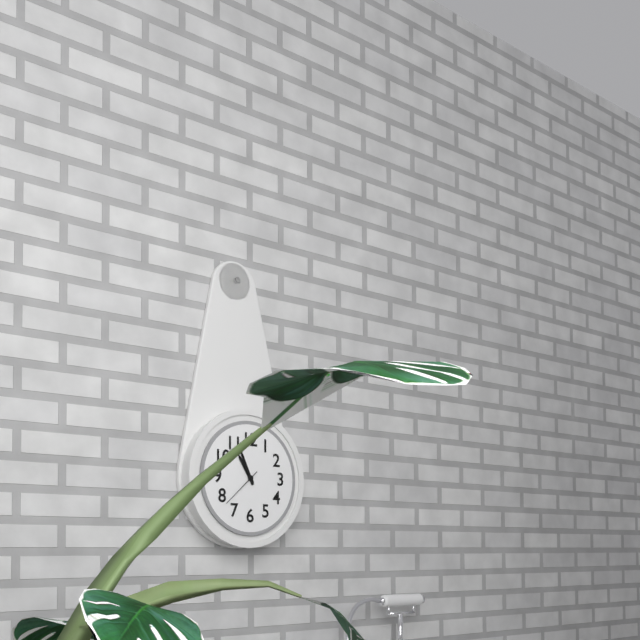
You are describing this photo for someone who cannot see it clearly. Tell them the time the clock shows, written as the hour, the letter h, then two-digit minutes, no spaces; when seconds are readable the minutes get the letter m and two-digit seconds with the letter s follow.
10h56
